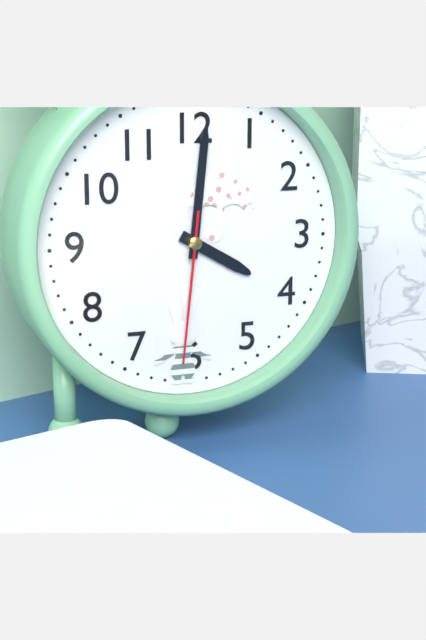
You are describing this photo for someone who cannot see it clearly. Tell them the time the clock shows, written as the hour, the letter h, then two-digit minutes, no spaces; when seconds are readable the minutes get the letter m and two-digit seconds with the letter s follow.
4h01m31s
